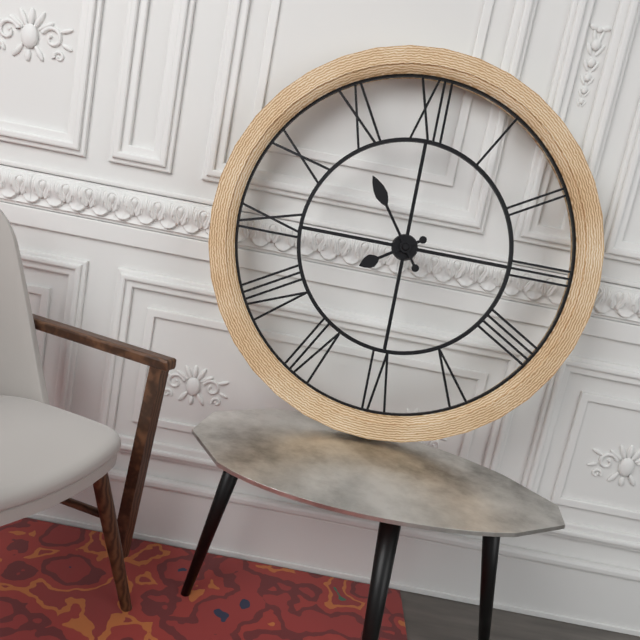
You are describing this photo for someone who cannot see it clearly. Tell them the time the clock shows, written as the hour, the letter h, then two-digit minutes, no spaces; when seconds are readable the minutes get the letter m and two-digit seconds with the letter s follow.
7h54
